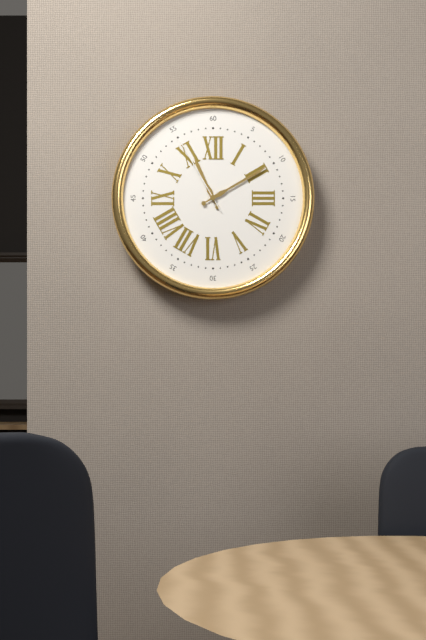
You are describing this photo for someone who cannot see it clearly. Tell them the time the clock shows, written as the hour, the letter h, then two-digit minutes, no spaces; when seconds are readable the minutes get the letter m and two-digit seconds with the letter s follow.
11h10m55s
